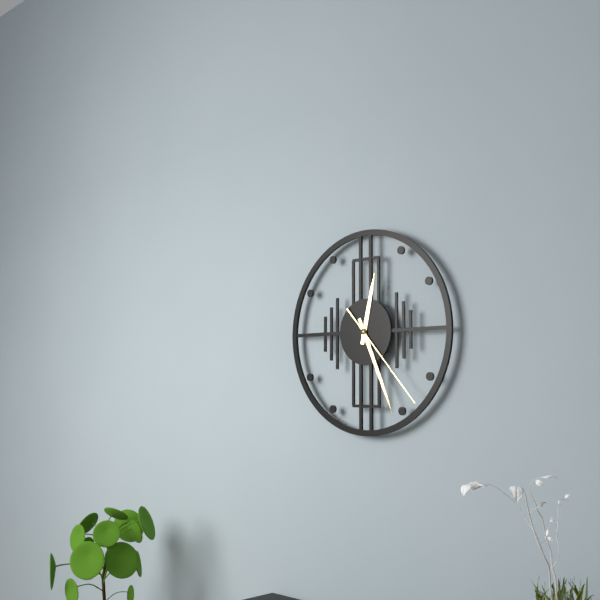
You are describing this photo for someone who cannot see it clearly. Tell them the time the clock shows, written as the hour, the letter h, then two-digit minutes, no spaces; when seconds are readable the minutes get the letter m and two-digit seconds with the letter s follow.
12h26m23s
